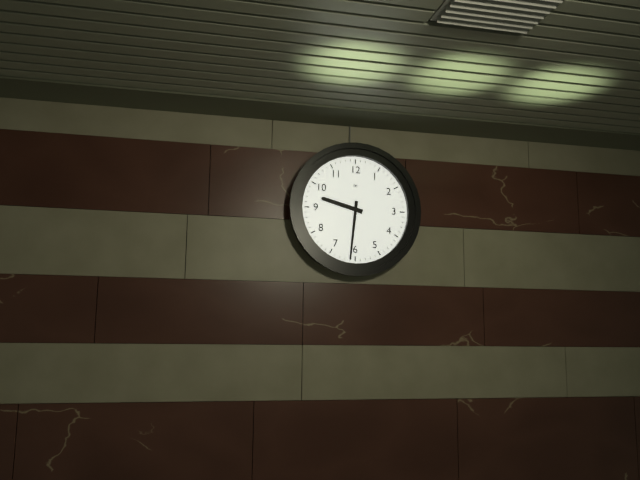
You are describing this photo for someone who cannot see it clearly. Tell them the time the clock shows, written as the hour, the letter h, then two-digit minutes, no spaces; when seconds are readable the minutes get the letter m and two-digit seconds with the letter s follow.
9h31
